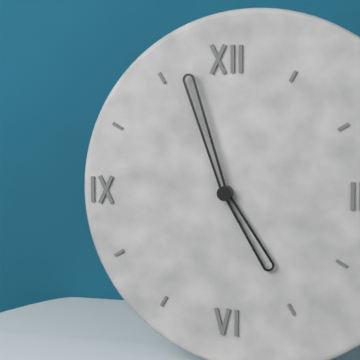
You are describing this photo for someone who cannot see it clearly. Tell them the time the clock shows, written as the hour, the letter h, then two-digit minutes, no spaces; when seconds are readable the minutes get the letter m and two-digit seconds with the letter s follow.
4h57
